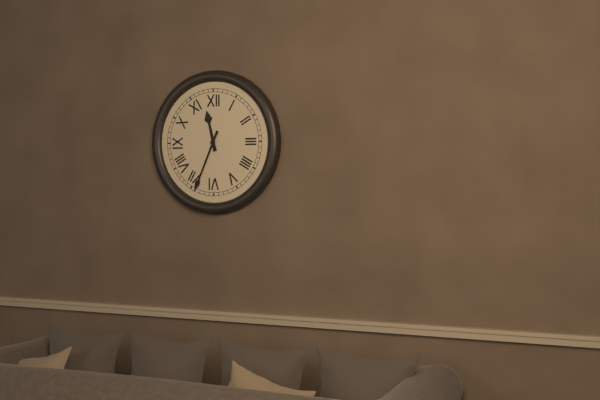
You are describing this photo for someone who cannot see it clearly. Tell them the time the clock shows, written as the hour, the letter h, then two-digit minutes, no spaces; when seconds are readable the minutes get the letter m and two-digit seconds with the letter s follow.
11h34
